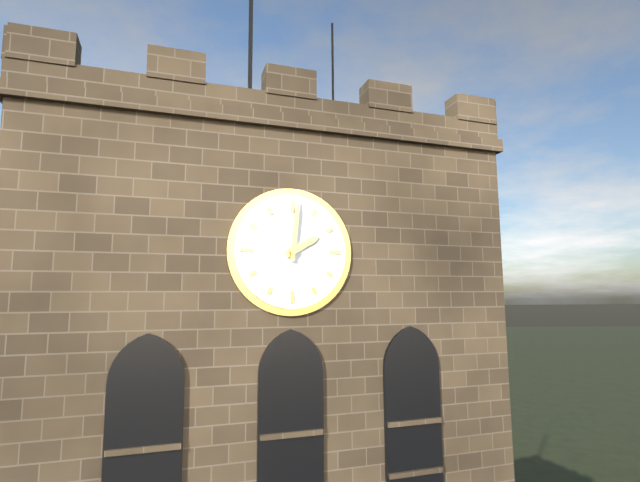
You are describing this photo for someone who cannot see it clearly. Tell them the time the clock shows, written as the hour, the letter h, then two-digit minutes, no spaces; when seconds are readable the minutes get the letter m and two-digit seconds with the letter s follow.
2h01
